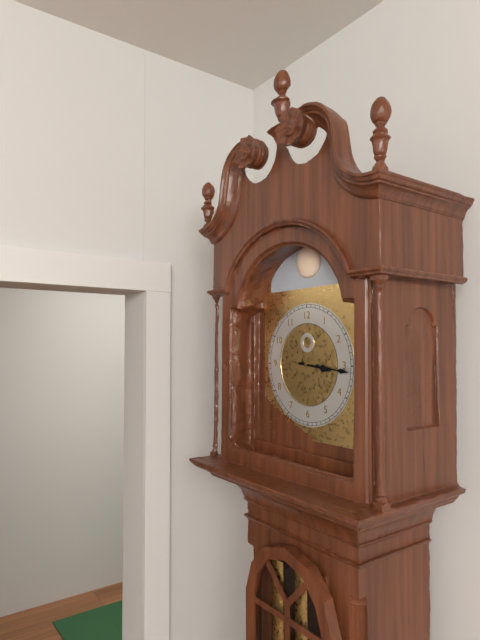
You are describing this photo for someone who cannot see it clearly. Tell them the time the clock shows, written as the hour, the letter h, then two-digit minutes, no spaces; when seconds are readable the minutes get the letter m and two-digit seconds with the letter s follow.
3h16
